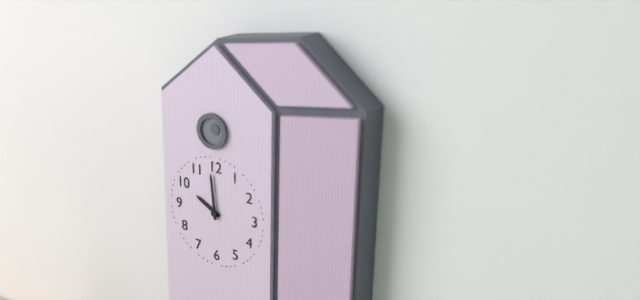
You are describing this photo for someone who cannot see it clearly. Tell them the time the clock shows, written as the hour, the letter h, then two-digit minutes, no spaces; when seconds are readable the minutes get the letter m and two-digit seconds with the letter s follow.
9h59
